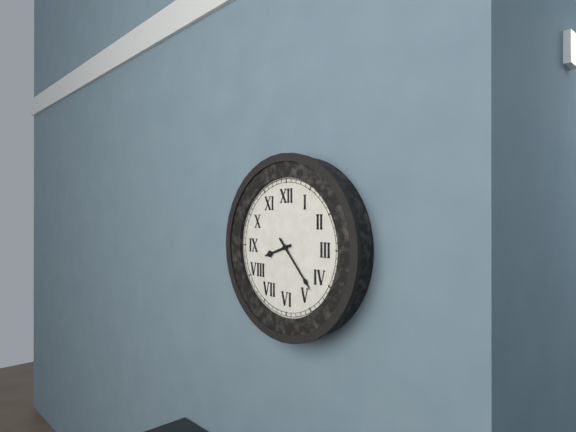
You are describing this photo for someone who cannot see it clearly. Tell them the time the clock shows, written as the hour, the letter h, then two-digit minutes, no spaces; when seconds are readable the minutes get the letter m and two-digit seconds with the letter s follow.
8h23
